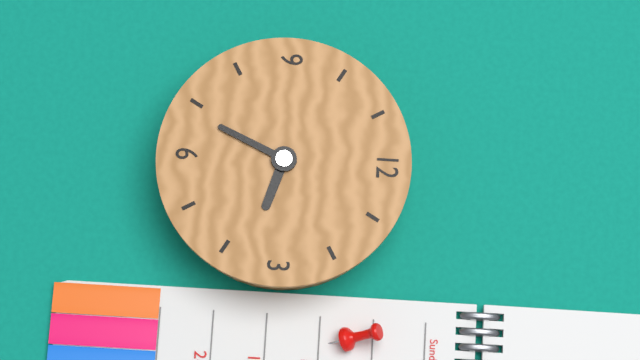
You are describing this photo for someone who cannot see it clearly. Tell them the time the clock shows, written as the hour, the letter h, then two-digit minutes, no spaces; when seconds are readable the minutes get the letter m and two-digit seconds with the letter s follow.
3h34
